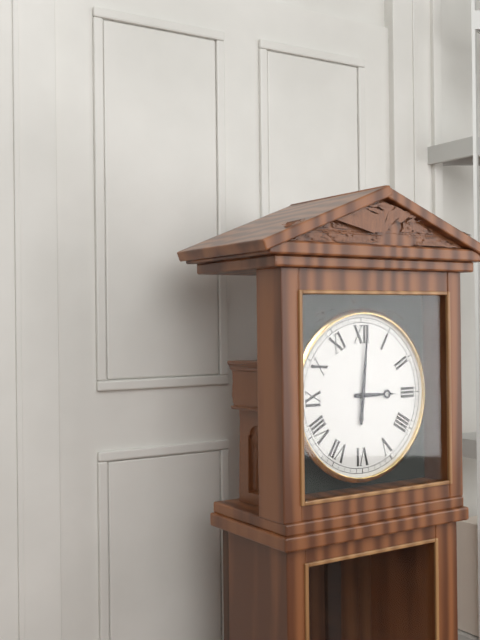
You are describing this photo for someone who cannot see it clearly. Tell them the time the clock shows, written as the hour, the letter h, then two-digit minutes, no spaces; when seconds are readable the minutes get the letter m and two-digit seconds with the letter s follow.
3h01
